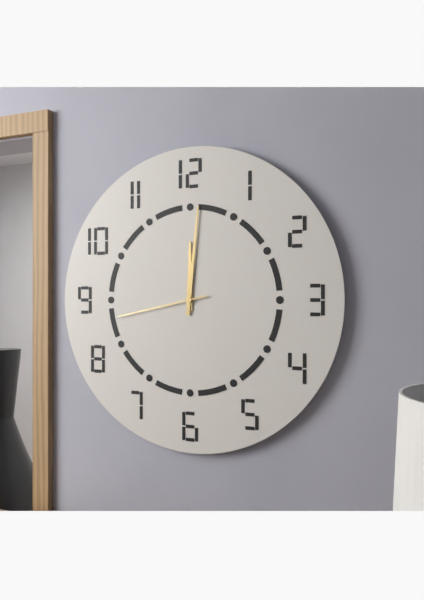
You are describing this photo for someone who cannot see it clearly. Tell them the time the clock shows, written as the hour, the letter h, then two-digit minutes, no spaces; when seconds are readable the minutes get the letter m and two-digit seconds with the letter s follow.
12h01m43s
